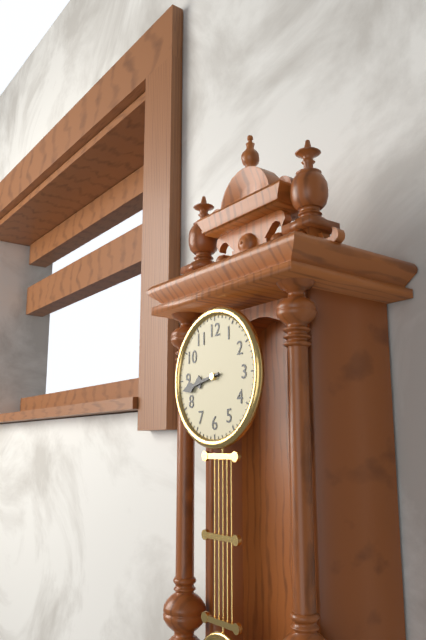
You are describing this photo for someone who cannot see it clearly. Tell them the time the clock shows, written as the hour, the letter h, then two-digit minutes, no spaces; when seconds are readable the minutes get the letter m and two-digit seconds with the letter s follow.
8h43
